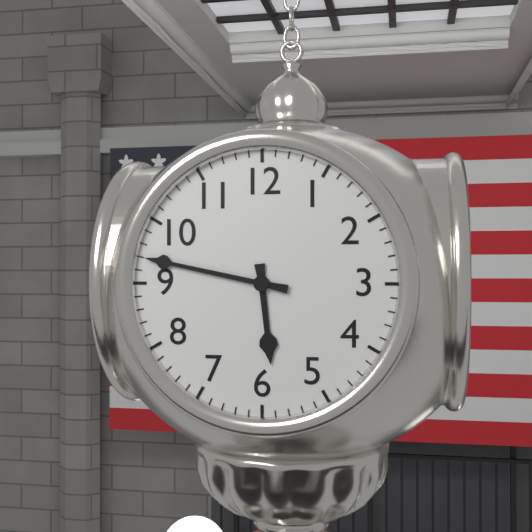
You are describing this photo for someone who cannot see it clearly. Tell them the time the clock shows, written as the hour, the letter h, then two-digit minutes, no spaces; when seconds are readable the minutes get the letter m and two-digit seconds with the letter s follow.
5h47
